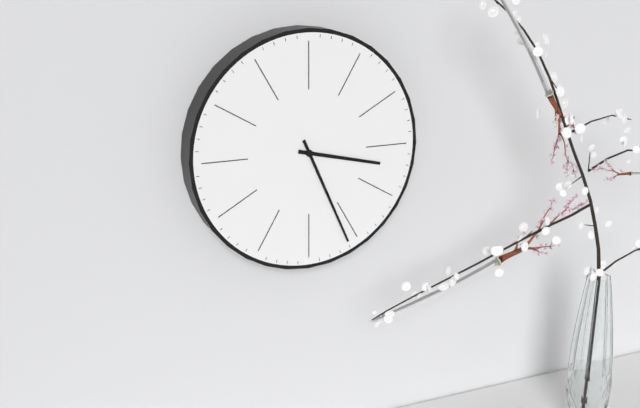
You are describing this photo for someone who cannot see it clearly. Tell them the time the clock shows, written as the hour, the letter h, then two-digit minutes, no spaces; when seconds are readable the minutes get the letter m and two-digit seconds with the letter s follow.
3h26
